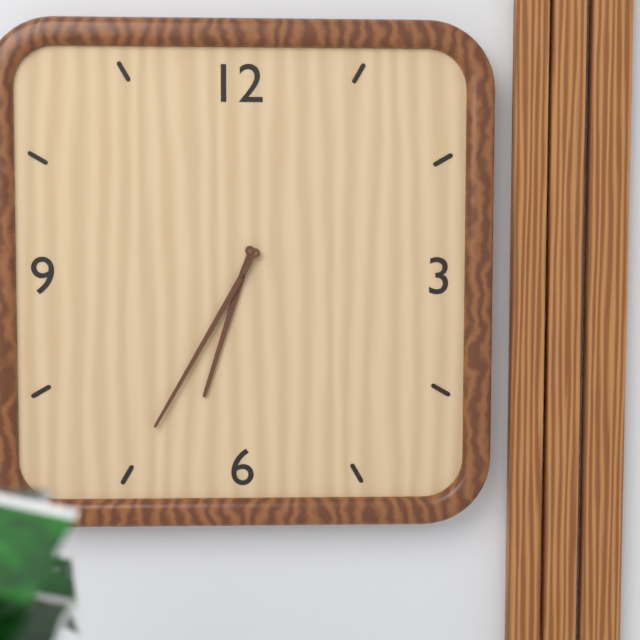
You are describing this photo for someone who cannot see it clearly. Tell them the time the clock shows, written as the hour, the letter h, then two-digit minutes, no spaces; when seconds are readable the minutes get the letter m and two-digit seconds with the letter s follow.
6h35
